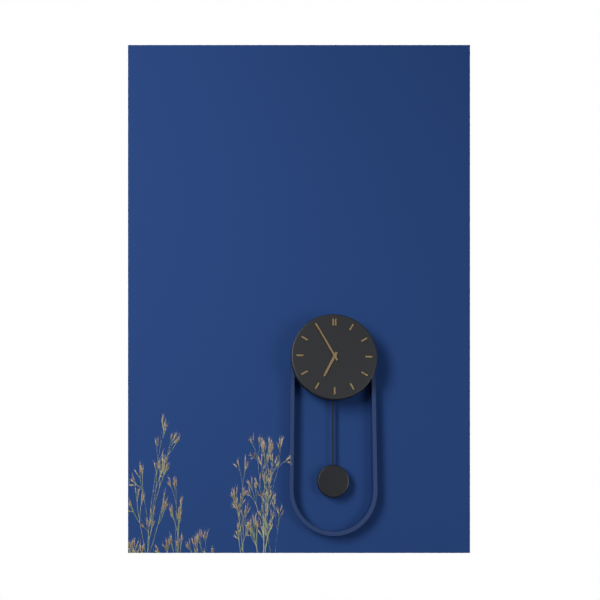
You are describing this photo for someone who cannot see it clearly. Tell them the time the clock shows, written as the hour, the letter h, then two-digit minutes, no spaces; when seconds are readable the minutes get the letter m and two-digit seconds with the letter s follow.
6h55
